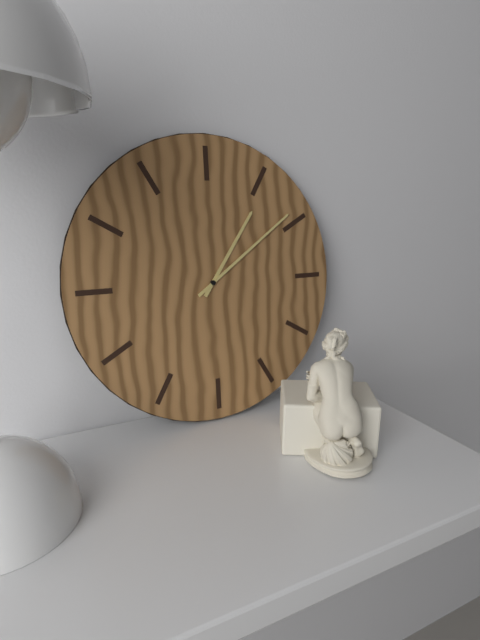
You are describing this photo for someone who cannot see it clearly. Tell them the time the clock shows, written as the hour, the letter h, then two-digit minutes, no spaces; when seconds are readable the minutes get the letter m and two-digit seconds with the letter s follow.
1h09
